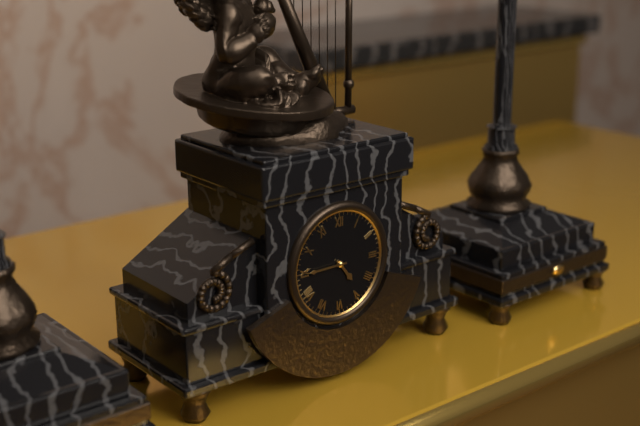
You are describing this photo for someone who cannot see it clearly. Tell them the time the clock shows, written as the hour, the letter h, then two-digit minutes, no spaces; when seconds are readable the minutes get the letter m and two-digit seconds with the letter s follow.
4h45
